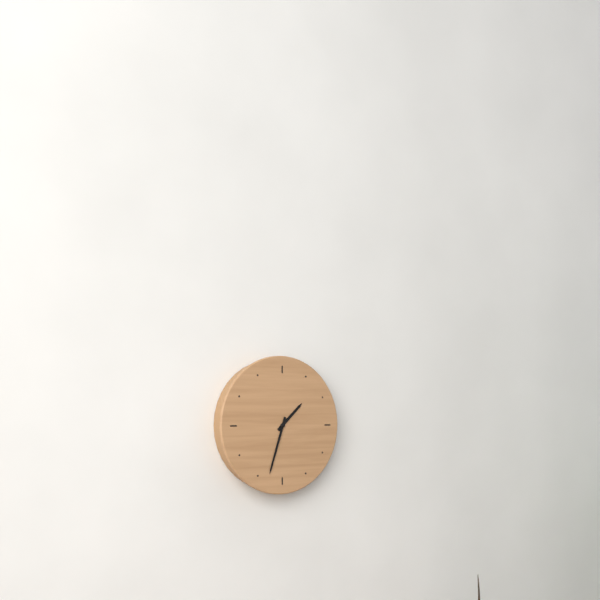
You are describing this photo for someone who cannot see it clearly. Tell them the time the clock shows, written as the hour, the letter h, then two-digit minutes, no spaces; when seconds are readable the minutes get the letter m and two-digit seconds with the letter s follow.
1h33
